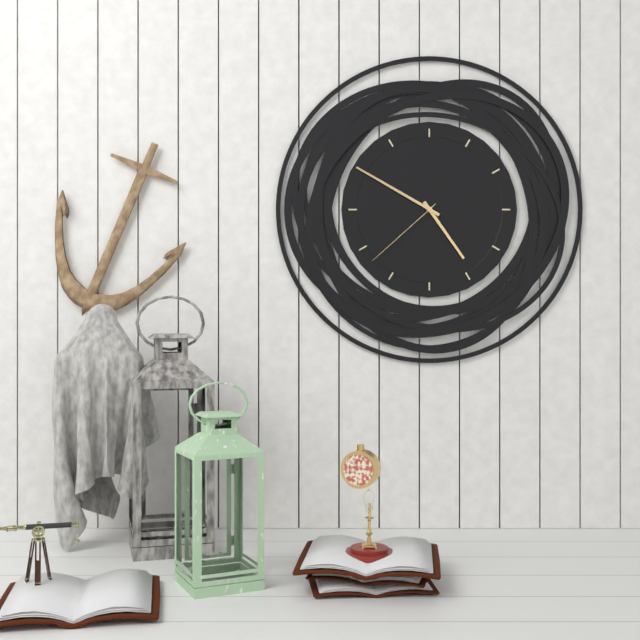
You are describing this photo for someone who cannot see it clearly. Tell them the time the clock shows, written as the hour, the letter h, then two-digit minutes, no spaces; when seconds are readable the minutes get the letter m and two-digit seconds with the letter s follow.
4h50m38s
